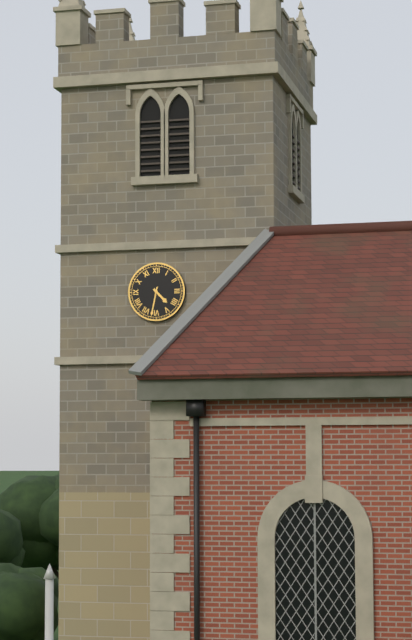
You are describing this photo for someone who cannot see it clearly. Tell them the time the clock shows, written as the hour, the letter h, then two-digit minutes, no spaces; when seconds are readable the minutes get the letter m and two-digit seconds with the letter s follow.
4h32
